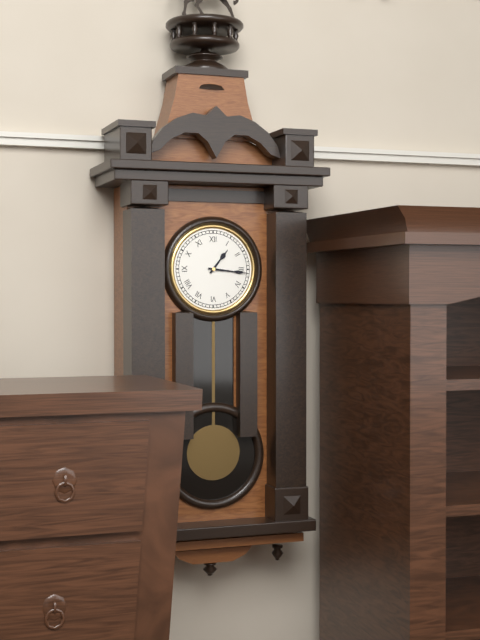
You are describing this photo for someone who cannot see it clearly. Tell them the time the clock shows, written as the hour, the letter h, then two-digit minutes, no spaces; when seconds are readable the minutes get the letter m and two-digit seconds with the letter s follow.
1h16
